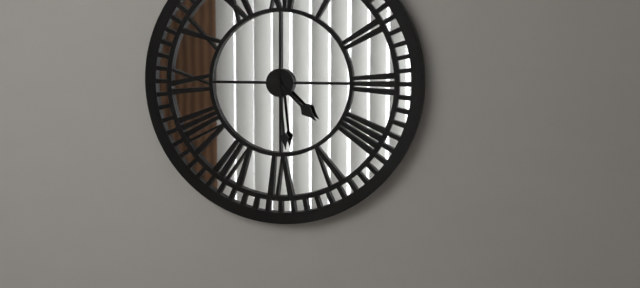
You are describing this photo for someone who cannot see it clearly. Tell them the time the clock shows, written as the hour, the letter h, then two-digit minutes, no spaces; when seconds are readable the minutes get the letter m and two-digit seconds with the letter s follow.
4h29
